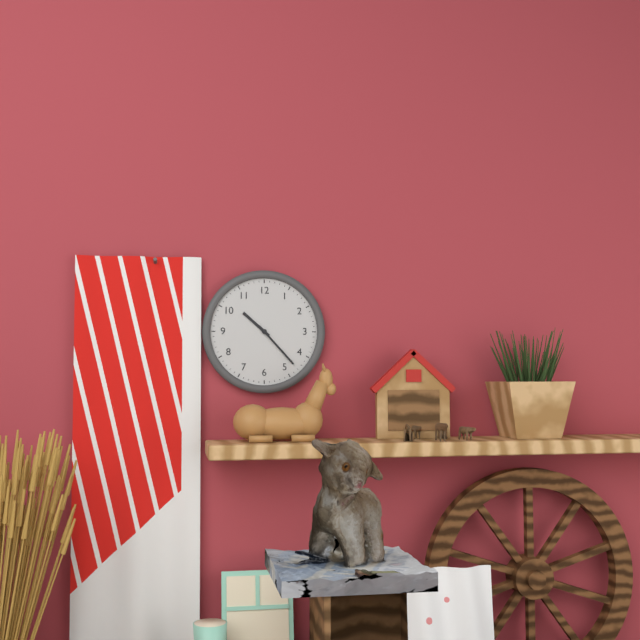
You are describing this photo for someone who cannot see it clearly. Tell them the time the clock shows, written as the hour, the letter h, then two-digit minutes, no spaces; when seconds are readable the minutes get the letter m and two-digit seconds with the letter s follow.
10h23
